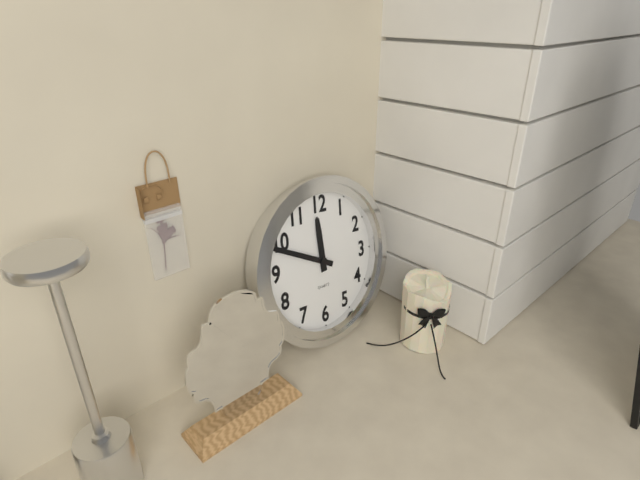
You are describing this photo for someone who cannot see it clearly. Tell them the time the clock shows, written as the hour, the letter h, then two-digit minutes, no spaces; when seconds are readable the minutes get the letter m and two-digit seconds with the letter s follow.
11h49
